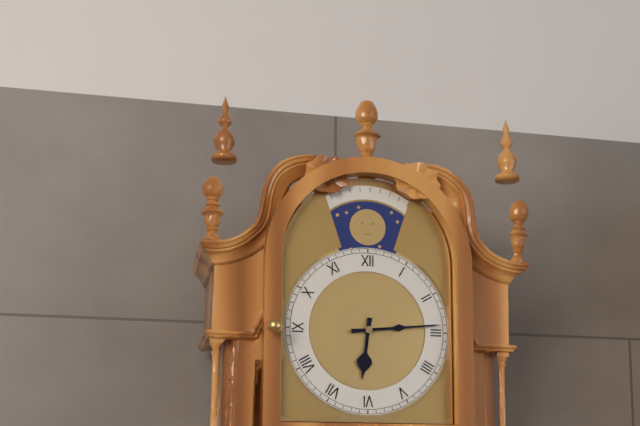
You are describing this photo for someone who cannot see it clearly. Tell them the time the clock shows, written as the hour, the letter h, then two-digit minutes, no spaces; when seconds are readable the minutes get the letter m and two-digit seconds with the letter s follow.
6h14
